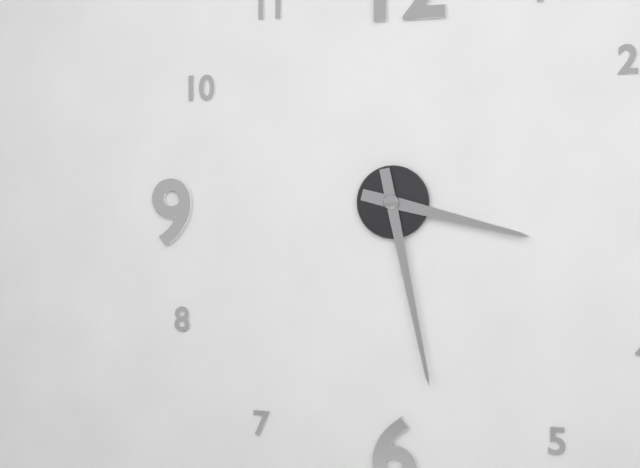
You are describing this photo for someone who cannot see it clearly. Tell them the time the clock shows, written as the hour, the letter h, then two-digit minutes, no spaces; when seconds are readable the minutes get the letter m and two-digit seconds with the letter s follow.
3h28
